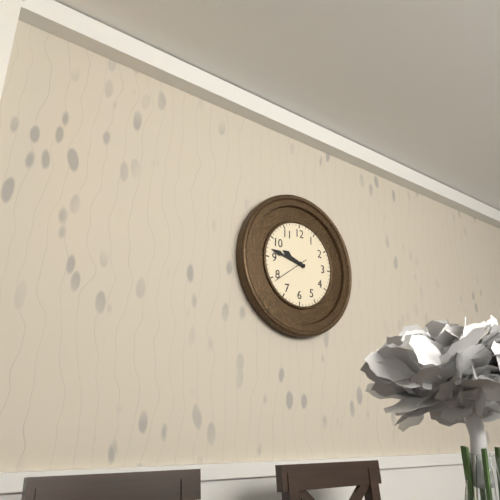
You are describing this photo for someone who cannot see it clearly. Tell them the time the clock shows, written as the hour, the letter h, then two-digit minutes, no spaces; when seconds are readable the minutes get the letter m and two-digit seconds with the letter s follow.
9h47
